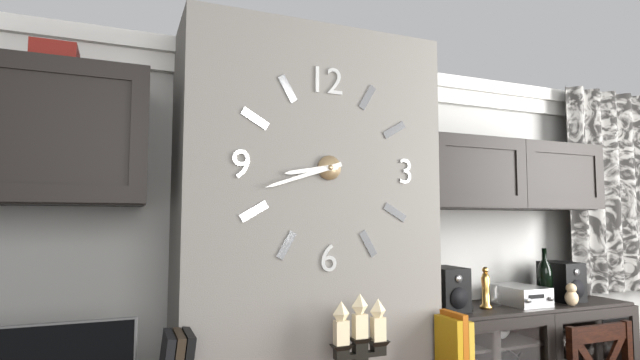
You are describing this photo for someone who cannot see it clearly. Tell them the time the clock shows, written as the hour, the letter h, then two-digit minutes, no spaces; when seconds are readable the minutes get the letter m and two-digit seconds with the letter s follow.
8h42
